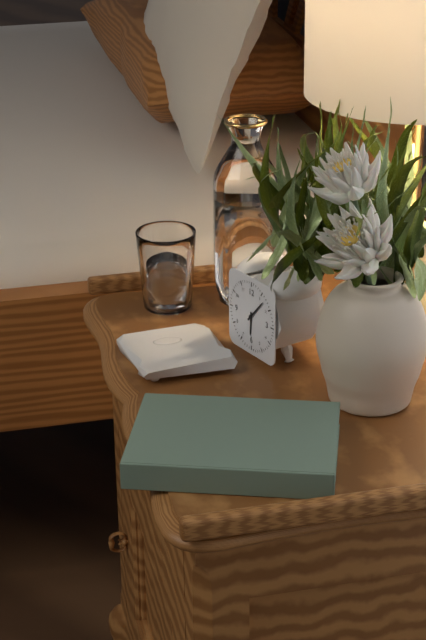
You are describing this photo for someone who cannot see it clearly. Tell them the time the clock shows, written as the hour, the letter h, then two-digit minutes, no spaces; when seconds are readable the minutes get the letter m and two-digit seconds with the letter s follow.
6h07
